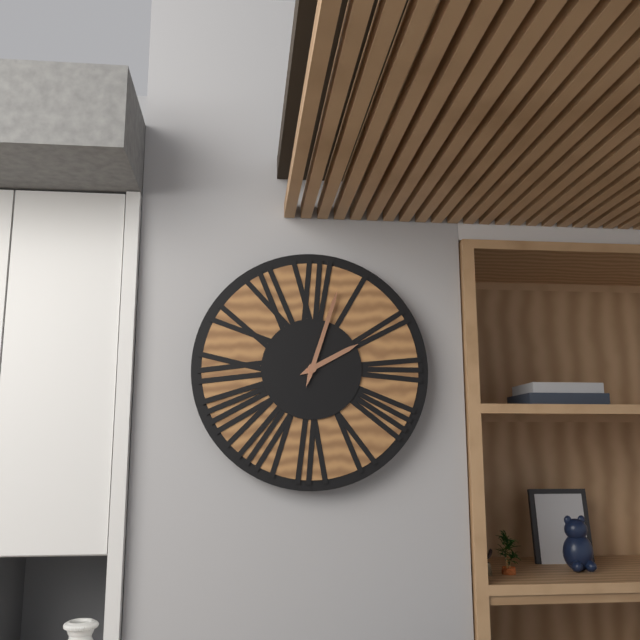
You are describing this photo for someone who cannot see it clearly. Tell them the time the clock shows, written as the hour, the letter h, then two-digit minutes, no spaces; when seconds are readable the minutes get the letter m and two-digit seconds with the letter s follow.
2h03
